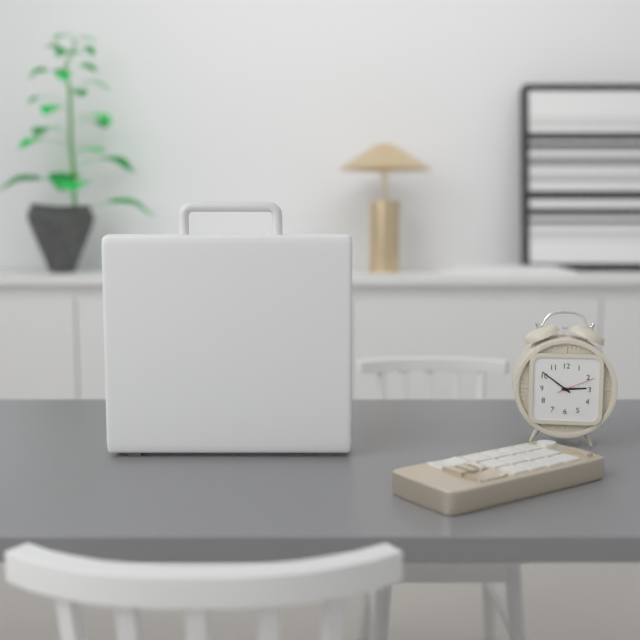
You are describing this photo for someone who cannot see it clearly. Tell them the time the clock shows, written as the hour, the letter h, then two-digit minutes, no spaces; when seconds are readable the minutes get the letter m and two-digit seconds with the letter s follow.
2h51
